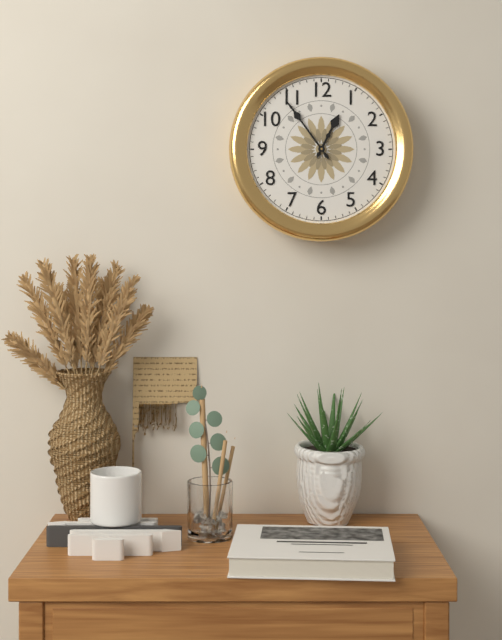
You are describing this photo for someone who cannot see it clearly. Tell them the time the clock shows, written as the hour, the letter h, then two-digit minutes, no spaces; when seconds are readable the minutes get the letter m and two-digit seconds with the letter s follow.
12h54
